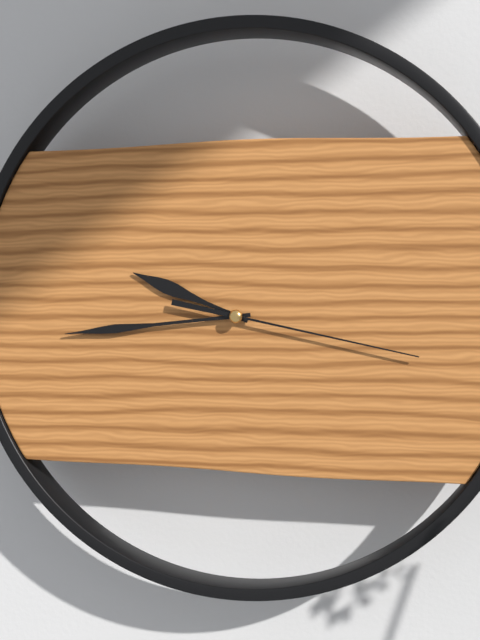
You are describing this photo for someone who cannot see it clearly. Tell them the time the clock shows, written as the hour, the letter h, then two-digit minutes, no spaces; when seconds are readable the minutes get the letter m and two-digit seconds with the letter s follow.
9h44m17s
